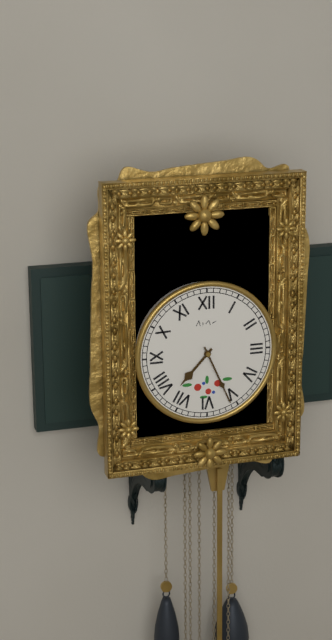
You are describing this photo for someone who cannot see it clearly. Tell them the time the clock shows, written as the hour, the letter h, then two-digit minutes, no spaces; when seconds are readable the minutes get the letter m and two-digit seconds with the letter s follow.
7h26
